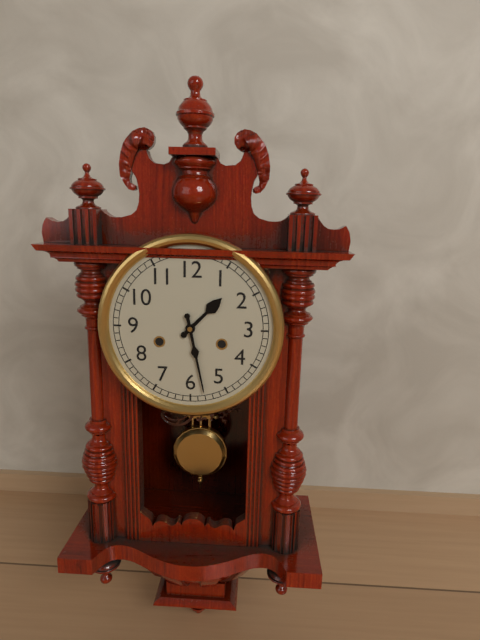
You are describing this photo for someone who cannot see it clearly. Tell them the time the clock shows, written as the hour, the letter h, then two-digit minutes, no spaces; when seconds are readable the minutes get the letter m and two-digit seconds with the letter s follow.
1h28
